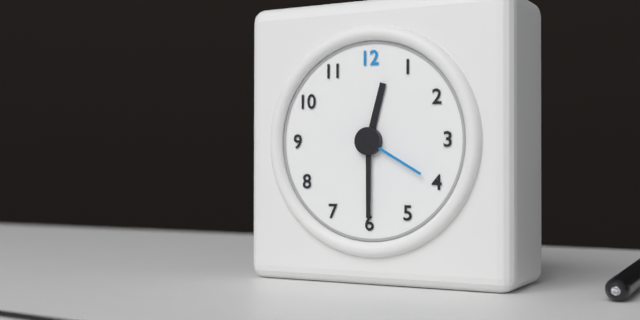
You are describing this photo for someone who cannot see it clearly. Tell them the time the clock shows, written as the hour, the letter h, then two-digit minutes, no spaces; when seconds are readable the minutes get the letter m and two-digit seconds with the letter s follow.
12h30m20s
